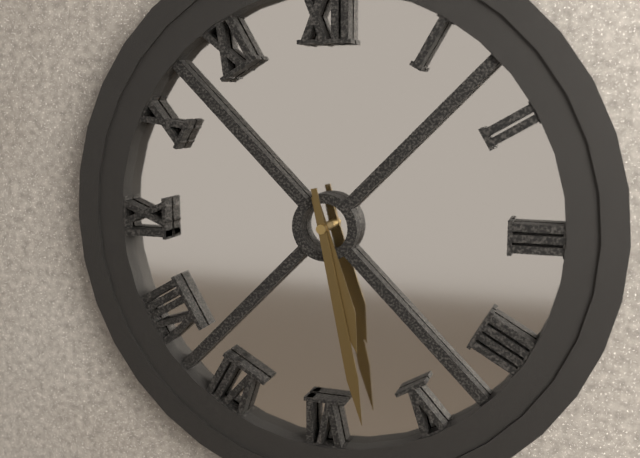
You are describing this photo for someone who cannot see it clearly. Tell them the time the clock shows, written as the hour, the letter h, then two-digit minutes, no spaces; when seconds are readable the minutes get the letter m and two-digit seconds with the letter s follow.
5h28
